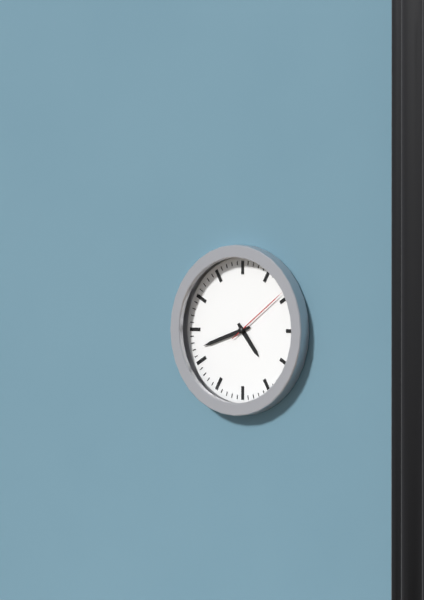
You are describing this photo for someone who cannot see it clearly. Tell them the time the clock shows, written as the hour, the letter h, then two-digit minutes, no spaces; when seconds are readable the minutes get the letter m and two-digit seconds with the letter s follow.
4h42m09s
